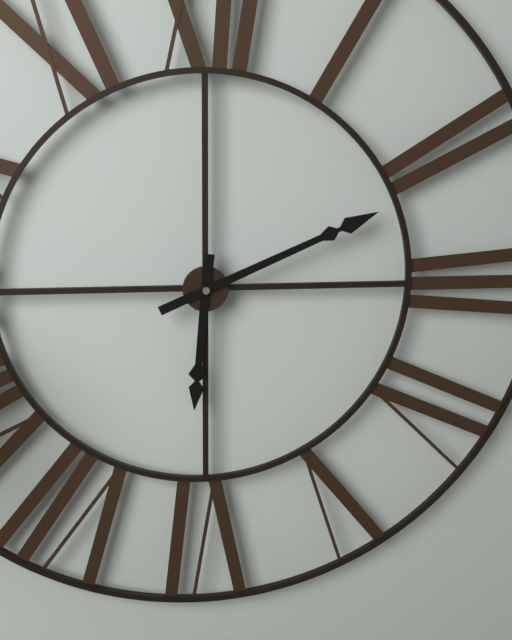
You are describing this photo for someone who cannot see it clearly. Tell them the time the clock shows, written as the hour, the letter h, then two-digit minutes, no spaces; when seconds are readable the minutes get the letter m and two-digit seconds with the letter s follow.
6h11
